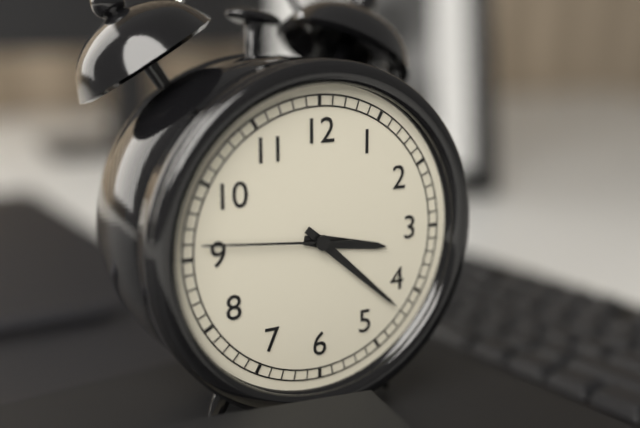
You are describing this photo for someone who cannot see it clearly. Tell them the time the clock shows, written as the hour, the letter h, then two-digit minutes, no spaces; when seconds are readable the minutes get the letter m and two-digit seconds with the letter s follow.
3h22m46s
